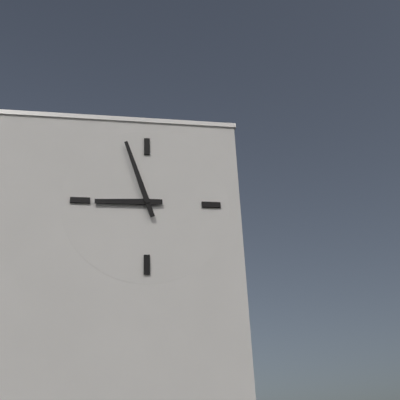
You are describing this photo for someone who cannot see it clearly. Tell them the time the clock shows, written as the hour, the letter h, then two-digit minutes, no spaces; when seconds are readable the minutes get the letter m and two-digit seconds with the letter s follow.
8h57
